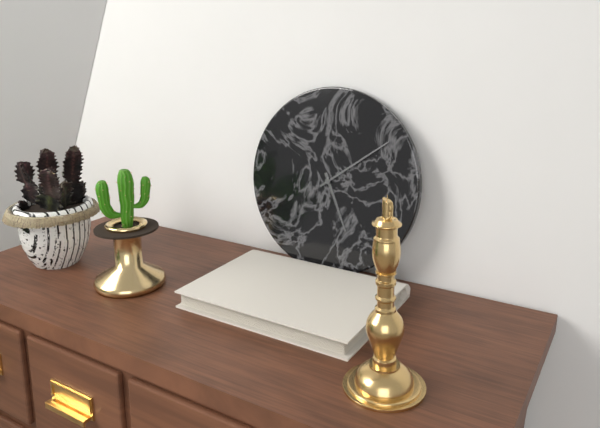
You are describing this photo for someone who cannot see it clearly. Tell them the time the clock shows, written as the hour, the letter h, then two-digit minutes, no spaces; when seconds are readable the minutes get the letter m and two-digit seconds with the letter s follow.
5h09
